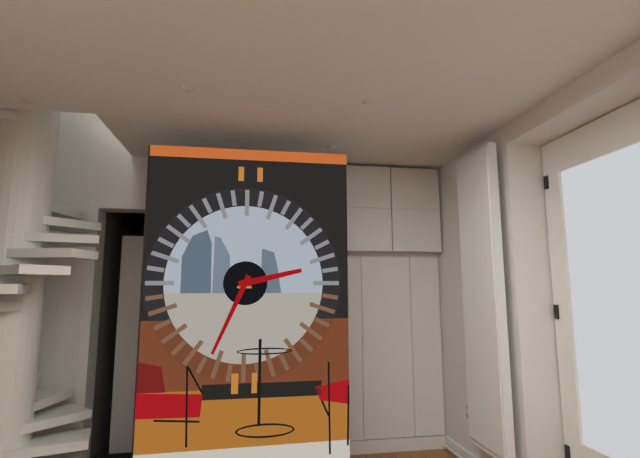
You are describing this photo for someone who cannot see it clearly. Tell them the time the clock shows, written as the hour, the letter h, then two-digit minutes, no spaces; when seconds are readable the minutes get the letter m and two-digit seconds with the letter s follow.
2h34
